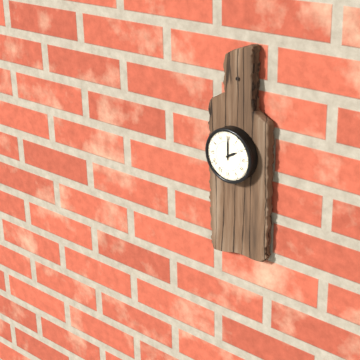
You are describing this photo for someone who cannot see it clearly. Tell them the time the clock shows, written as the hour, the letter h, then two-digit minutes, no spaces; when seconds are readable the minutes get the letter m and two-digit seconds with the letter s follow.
2h00
